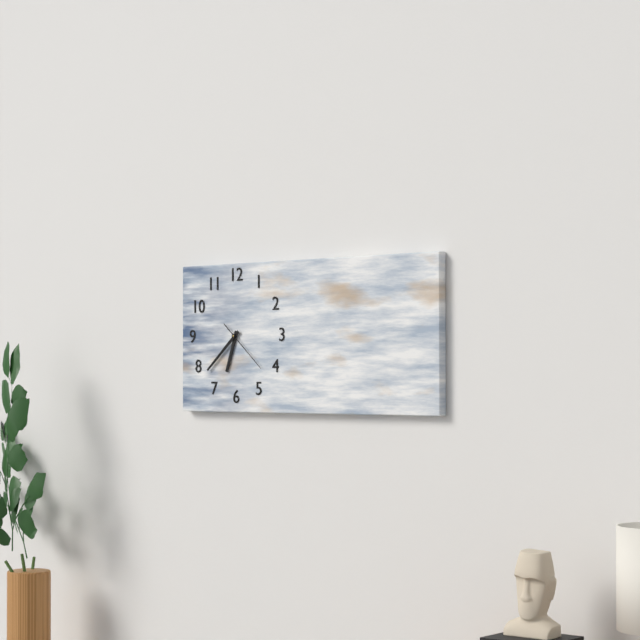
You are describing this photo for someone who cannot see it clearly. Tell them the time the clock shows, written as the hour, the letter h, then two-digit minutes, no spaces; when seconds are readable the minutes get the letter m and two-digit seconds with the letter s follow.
6h38m22s
